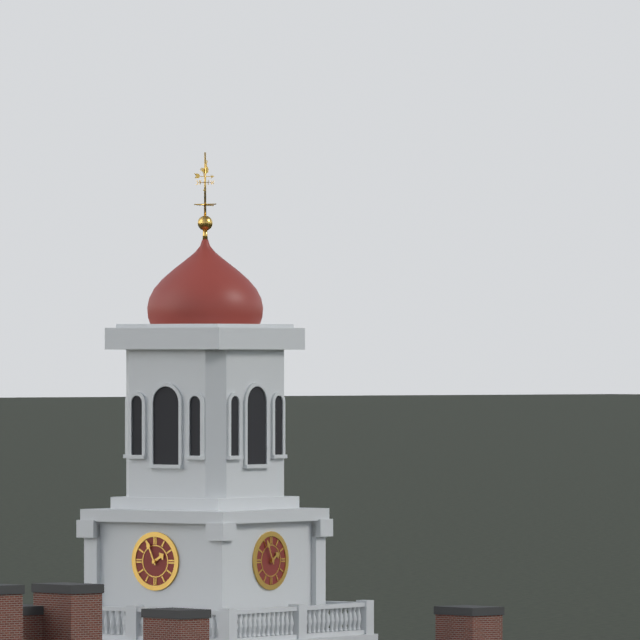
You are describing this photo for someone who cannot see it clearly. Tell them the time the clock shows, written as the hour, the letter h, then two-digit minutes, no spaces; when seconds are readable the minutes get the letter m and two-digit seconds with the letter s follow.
1h56
